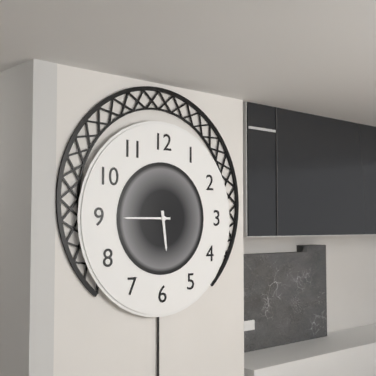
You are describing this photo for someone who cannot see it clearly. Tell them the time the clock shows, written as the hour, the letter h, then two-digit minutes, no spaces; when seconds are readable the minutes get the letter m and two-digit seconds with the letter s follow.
5h45
